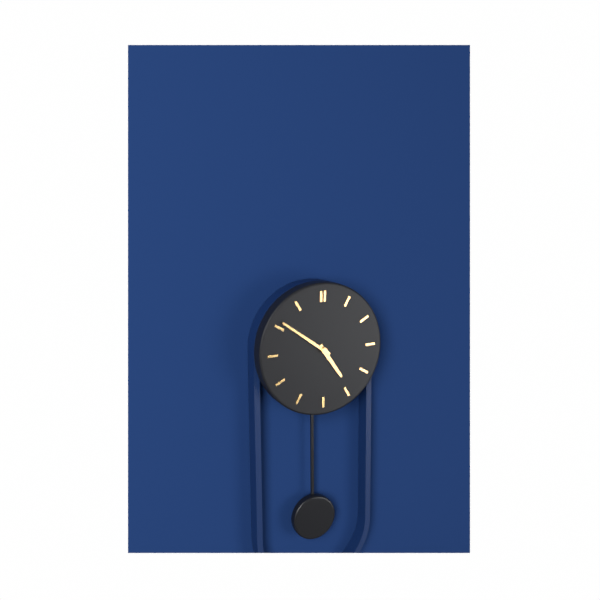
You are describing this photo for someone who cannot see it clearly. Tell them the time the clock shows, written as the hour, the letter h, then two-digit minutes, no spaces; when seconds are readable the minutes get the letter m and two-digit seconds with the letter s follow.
4h51
